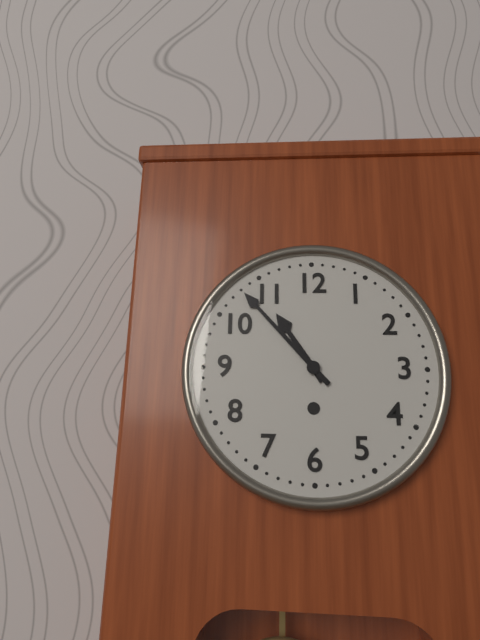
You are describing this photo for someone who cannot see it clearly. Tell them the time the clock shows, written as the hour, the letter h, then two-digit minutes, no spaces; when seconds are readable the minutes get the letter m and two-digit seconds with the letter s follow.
10h53
